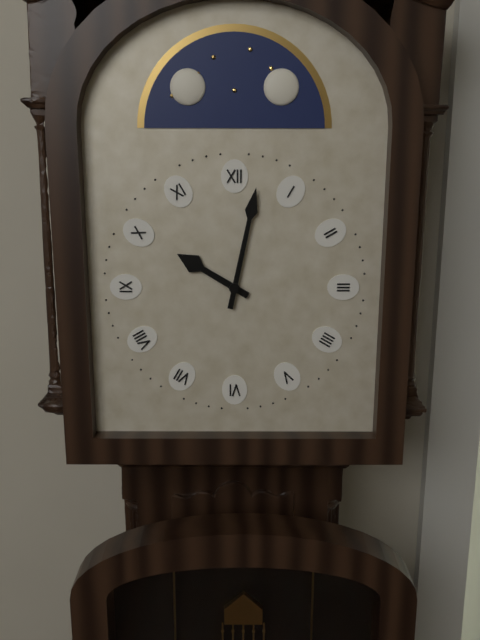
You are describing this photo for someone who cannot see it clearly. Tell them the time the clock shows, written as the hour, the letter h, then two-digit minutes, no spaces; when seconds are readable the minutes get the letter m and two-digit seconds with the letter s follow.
10h02
